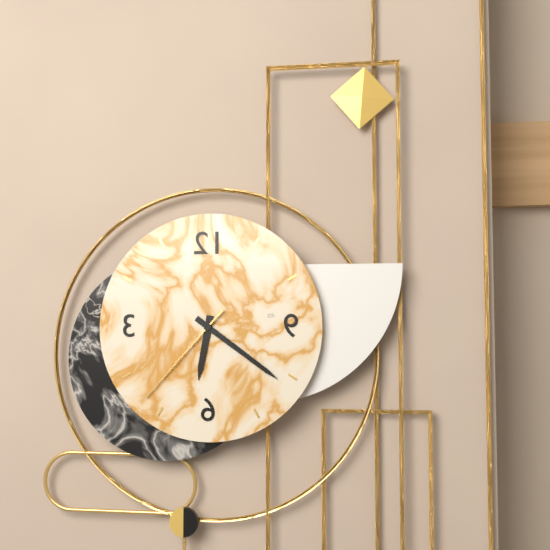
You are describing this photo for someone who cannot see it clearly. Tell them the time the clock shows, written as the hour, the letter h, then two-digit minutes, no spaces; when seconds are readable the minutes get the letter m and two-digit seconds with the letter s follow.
6h21m37s
